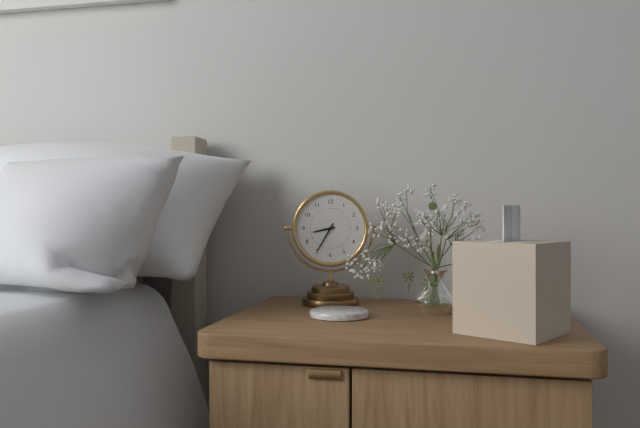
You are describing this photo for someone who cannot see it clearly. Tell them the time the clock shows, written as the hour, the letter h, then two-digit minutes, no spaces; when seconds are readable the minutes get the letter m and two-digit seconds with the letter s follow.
8h35
